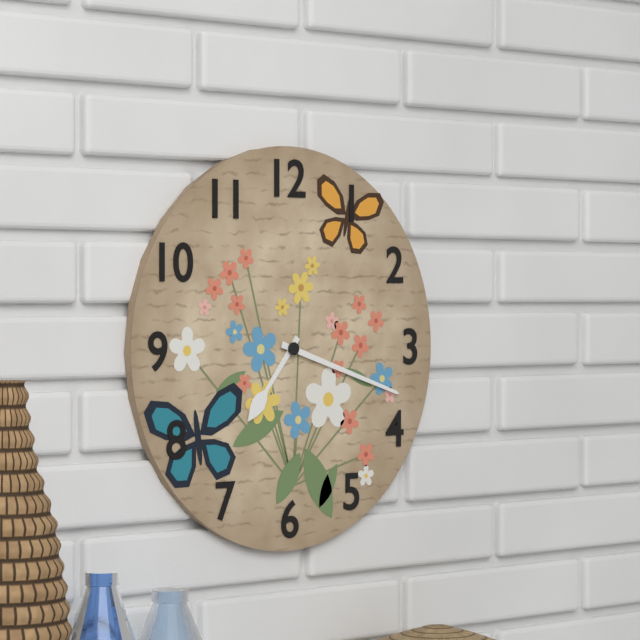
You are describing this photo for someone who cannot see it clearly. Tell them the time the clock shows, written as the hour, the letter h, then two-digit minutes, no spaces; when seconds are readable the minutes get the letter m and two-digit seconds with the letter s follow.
7h18
